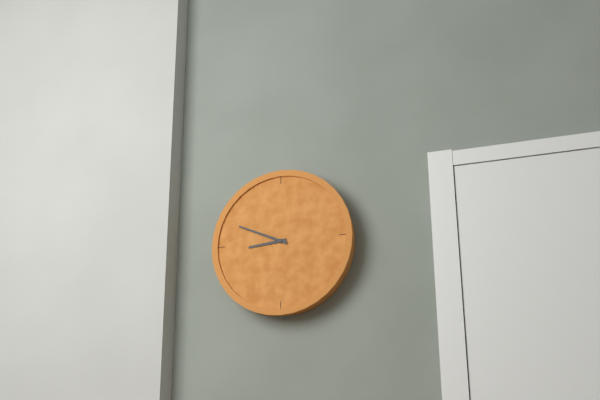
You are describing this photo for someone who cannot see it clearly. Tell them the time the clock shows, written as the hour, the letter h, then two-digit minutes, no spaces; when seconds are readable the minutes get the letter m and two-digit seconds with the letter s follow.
8h49
